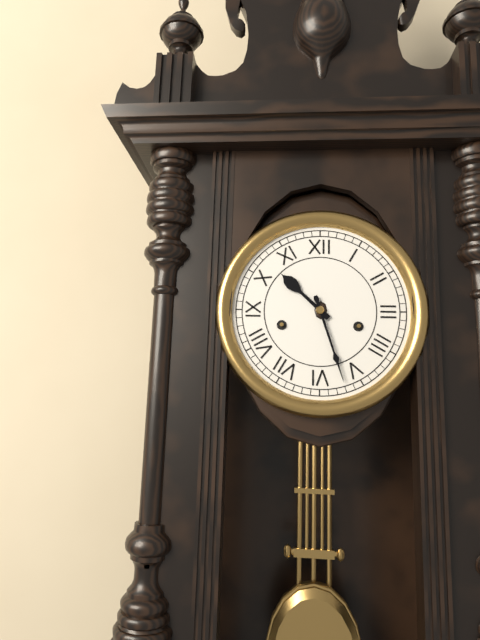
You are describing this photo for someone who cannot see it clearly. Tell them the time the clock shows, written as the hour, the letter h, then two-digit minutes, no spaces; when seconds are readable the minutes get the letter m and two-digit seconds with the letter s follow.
10h27
